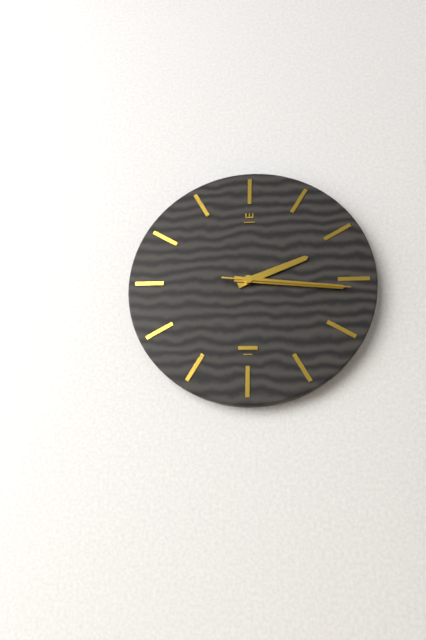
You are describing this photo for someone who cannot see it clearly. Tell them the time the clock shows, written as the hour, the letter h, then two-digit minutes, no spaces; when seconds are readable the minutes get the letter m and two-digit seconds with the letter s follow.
2h16m16s
